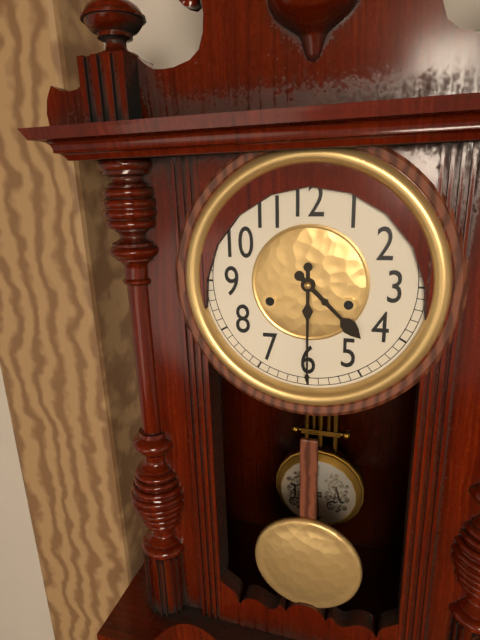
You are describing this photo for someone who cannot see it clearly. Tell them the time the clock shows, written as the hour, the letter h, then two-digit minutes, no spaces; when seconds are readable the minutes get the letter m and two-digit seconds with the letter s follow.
4h30
